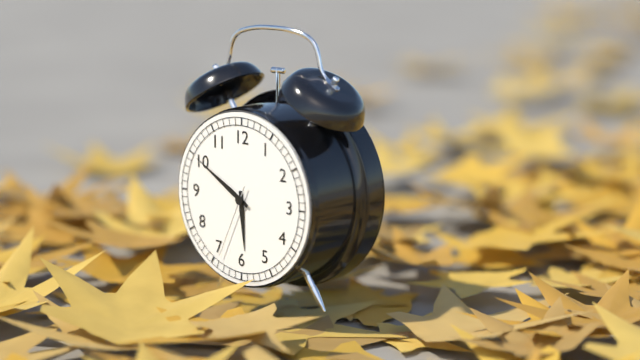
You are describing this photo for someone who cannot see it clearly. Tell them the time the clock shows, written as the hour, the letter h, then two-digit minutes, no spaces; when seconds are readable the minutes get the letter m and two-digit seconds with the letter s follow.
5h50m34s
